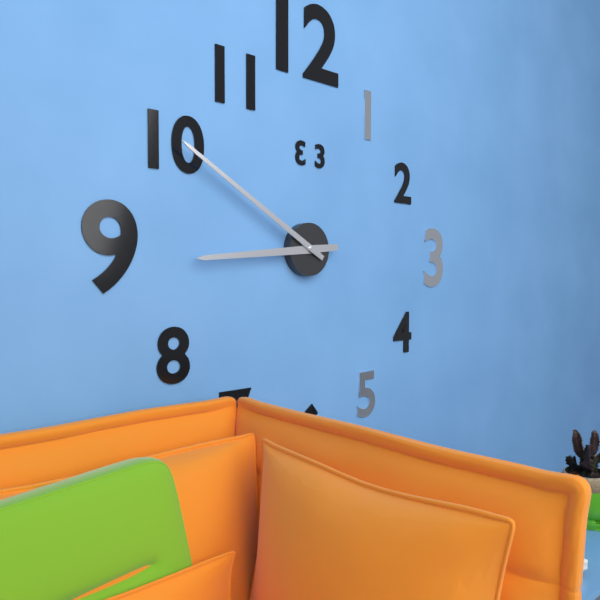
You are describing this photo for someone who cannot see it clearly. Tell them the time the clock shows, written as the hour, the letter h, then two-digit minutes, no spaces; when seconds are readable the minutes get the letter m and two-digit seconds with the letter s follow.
8h50
